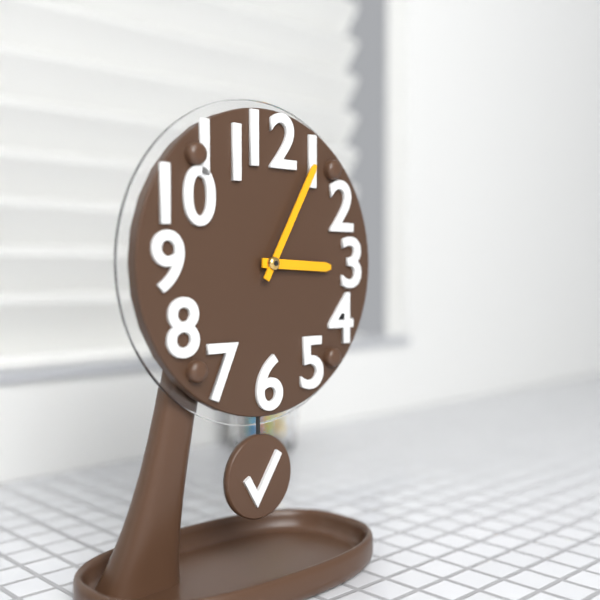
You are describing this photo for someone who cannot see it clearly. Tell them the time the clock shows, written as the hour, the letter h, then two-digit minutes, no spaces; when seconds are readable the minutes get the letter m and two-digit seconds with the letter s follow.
3h05
